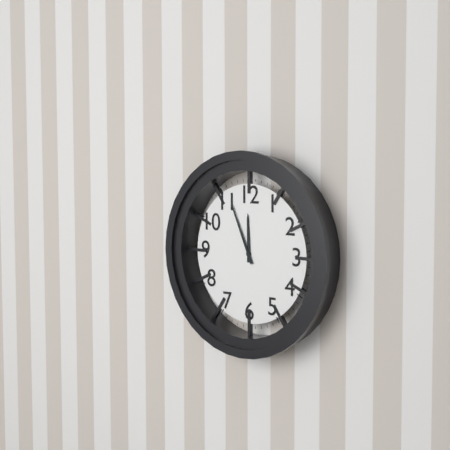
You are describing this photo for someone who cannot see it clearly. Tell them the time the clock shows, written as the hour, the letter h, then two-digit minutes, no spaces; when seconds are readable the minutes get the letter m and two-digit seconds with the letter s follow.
11h56
